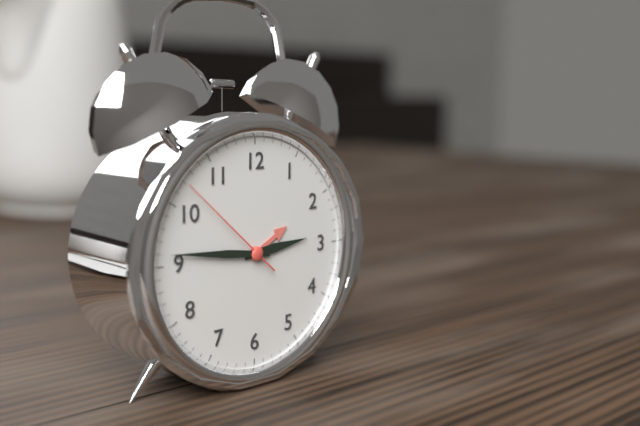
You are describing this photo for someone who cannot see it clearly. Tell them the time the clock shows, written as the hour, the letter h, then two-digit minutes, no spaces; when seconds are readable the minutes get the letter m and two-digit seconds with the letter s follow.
2h46m52s
